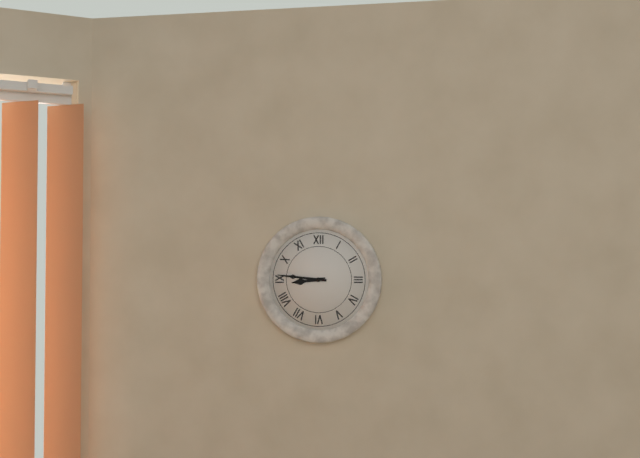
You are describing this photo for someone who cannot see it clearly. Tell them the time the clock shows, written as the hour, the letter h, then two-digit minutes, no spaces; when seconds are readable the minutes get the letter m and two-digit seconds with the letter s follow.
8h46
